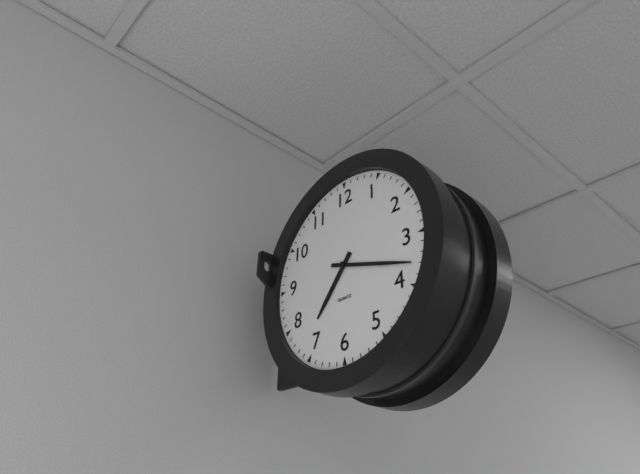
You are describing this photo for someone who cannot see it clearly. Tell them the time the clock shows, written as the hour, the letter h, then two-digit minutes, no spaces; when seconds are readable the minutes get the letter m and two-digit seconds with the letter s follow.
7h18
